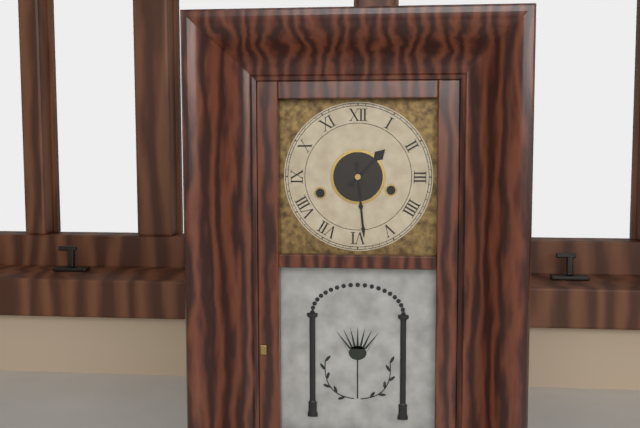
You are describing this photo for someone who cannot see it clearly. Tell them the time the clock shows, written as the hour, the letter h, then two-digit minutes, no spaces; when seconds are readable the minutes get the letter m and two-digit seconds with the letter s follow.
1h29
